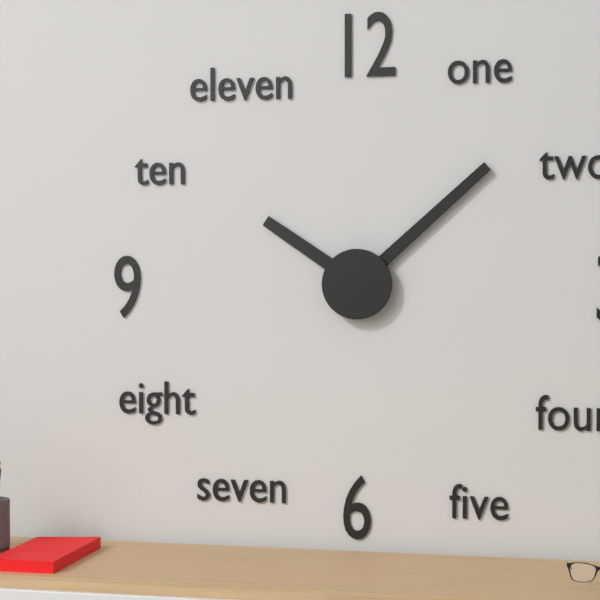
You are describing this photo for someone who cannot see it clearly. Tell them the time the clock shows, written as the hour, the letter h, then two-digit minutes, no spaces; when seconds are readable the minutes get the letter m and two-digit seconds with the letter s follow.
10h08
